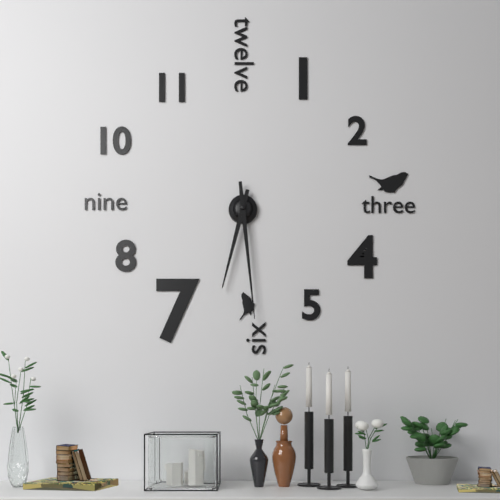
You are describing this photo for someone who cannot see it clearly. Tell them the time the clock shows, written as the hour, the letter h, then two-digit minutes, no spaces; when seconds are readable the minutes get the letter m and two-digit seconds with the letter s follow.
6h29
